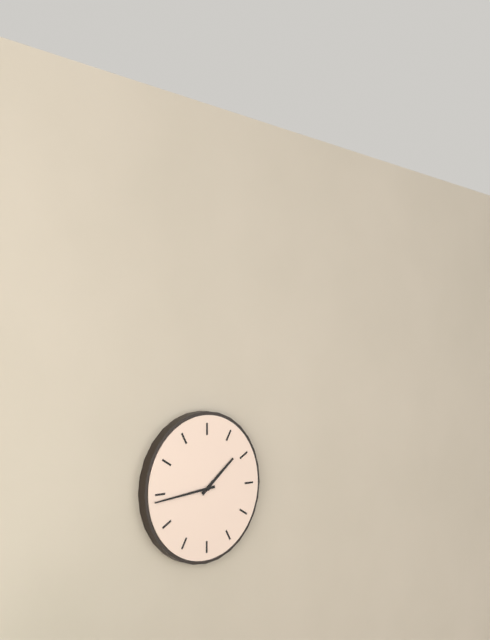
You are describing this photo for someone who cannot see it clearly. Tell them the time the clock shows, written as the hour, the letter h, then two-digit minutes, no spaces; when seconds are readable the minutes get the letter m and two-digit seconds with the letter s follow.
1h44
